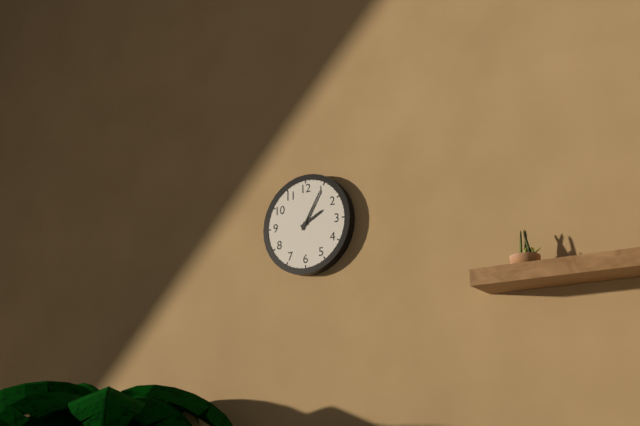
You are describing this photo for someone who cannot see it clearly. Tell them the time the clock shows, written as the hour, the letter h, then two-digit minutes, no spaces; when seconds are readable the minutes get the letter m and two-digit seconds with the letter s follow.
2h05
